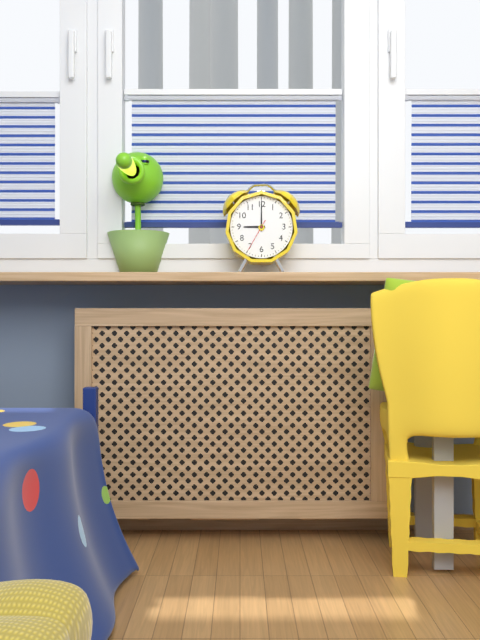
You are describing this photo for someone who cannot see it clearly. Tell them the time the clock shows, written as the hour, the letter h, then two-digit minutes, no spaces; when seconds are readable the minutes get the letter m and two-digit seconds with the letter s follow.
9h00
